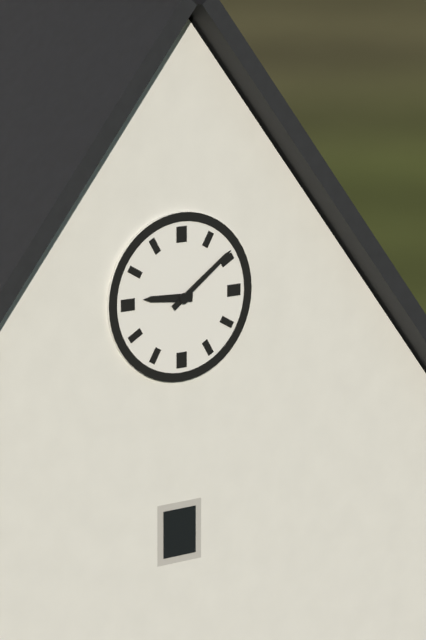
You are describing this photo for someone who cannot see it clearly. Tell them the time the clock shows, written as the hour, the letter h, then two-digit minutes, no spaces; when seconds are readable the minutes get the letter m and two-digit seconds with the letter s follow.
9h09
